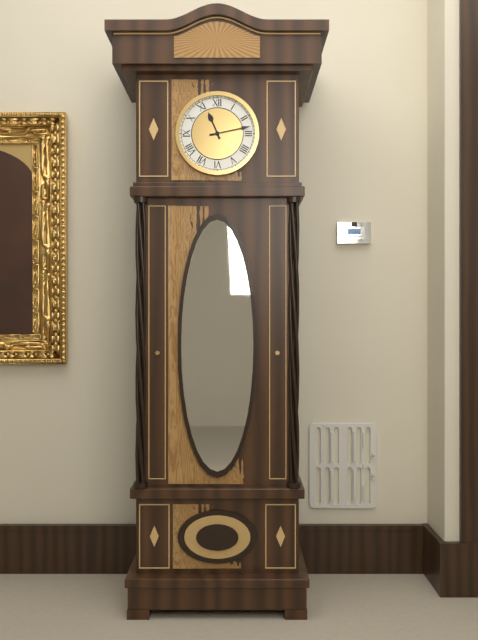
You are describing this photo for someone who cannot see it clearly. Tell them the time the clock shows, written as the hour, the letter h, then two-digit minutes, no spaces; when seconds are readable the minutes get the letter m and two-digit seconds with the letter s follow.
11h13
